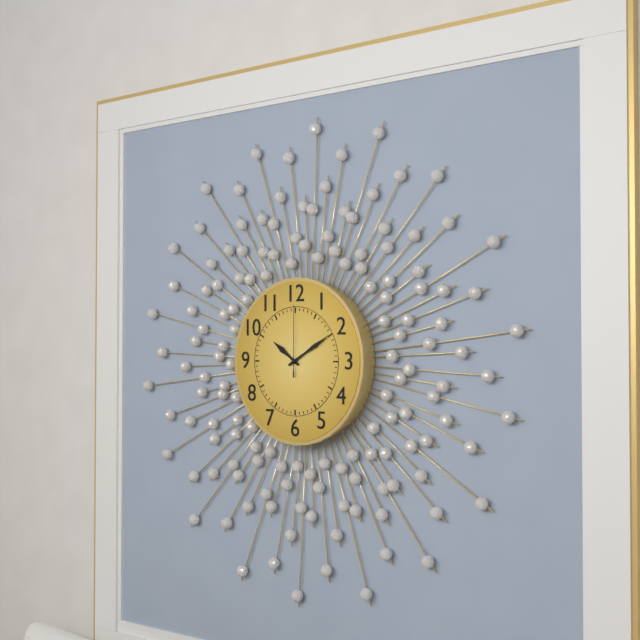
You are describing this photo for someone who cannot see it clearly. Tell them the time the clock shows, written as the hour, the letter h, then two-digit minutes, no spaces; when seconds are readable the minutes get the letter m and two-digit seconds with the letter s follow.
10h10m00s
